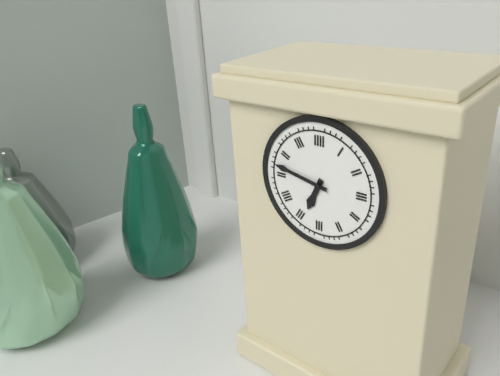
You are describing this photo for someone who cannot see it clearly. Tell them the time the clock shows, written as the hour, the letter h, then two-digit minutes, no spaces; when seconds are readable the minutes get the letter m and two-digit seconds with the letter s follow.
6h47
